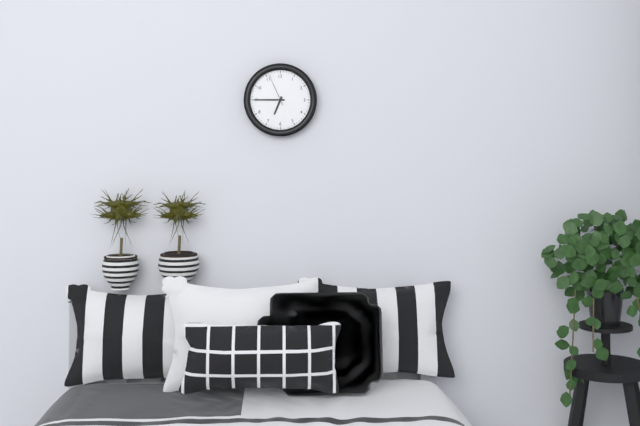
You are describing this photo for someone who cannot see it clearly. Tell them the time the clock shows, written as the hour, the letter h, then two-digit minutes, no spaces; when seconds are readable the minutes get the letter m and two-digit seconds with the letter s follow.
6h45
